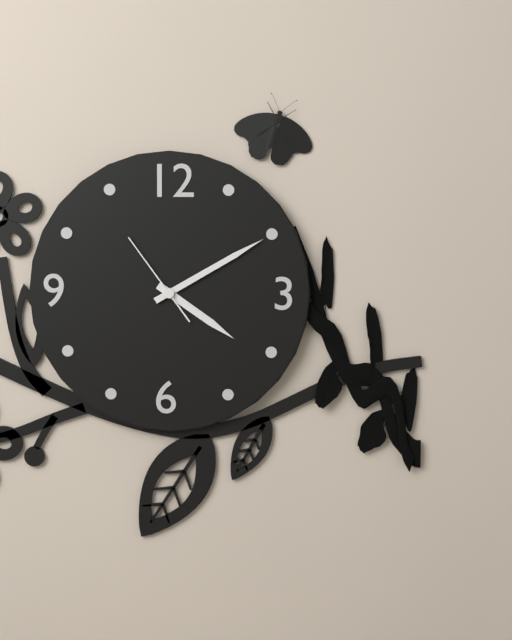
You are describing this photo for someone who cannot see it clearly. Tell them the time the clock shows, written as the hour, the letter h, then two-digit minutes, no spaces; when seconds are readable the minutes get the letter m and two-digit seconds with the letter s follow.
4h10m54s
